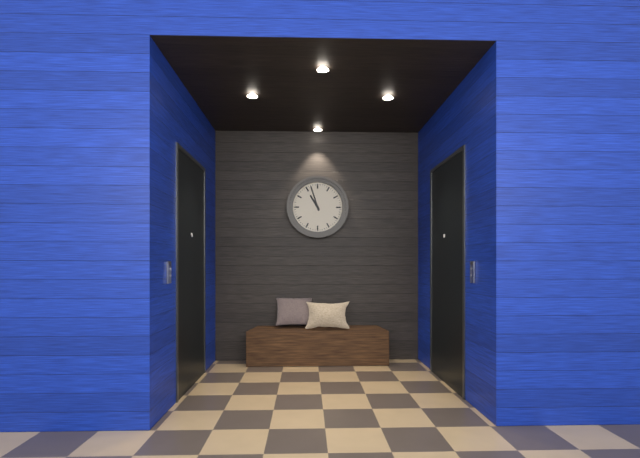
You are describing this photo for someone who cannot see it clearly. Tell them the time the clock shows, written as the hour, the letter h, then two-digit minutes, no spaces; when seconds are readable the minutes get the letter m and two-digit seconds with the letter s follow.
10h57
